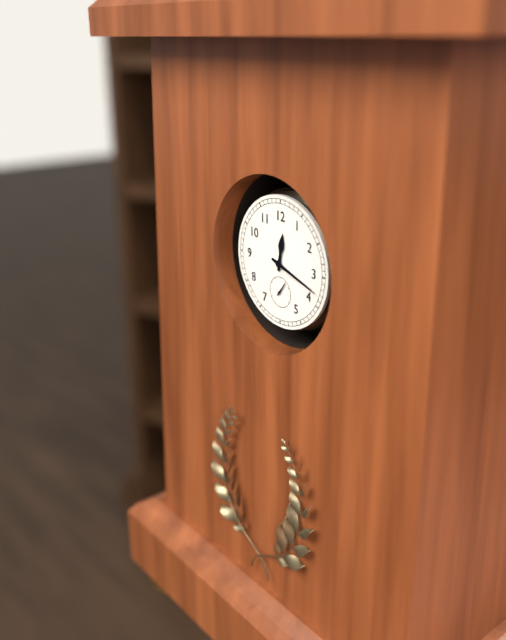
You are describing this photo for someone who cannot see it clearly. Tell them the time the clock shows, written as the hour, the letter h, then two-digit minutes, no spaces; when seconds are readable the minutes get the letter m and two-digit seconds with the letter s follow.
12h18
